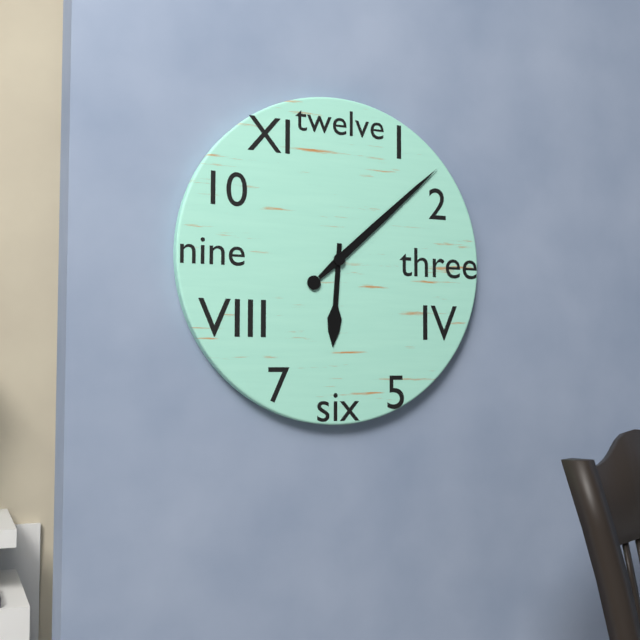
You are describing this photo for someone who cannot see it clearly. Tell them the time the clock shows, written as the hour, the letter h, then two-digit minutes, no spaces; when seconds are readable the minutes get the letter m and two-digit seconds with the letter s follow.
6h08
